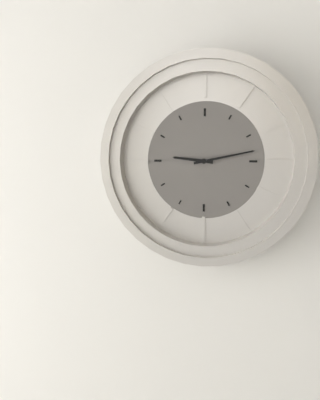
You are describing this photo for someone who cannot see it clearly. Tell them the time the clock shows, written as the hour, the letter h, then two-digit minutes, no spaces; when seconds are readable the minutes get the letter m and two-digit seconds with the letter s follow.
9h13
